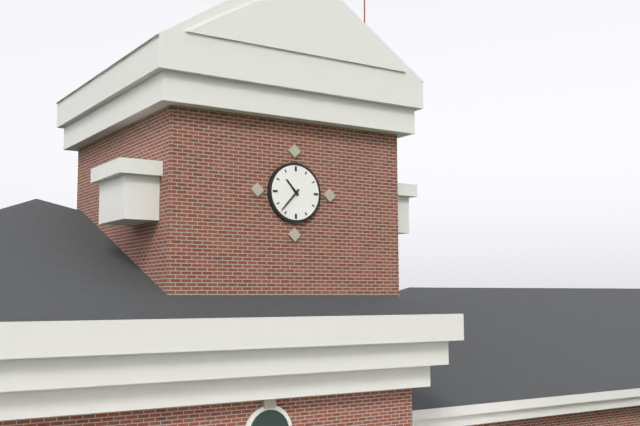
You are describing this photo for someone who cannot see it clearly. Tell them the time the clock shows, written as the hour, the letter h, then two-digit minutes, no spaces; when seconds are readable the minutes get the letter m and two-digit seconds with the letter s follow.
10h37
